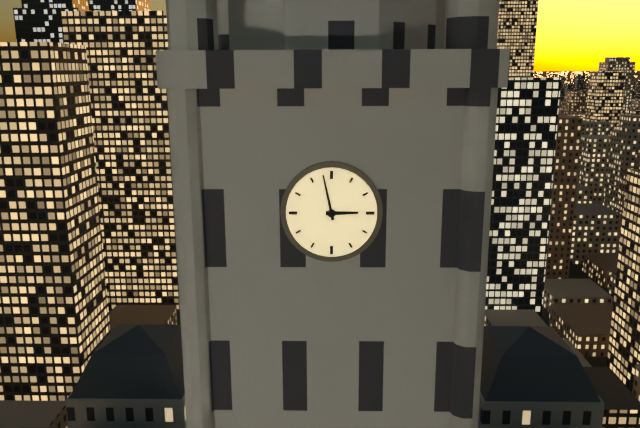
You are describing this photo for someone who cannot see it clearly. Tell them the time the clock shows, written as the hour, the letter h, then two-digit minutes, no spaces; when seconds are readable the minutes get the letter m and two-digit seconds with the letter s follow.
2h58
